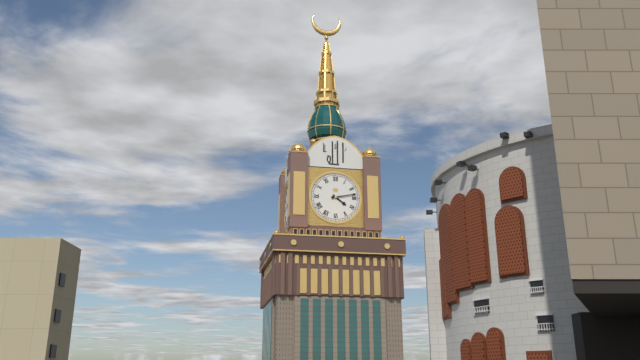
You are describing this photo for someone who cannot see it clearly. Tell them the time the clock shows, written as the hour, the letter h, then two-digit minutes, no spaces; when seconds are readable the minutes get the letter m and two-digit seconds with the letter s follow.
4h13
